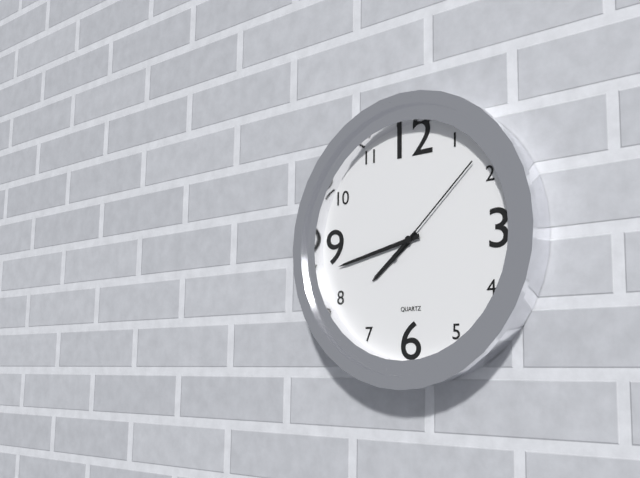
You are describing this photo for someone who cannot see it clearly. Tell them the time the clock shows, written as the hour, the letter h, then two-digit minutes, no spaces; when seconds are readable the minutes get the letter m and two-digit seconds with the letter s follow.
7h43m08s
